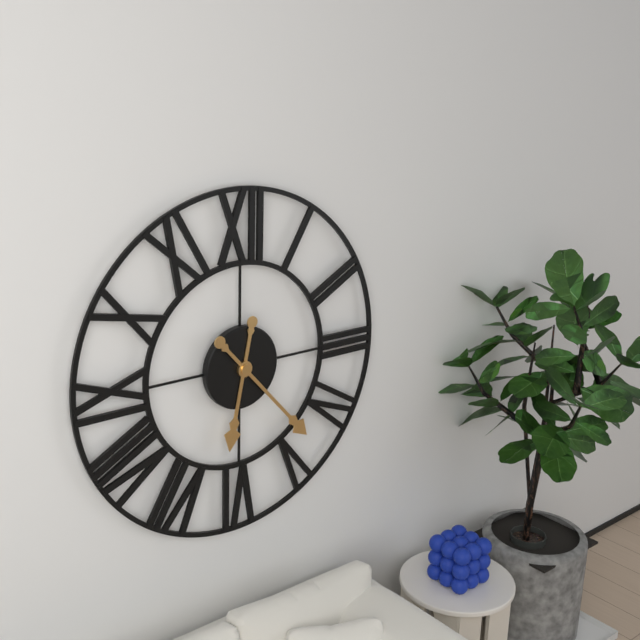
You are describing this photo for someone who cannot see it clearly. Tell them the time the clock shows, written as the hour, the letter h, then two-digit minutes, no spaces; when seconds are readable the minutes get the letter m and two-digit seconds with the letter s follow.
6h23
